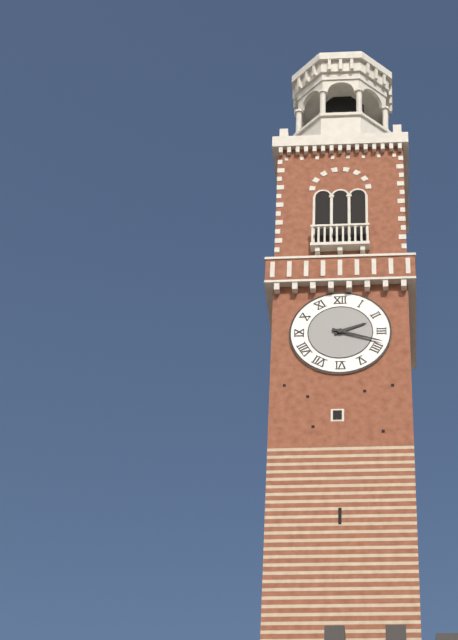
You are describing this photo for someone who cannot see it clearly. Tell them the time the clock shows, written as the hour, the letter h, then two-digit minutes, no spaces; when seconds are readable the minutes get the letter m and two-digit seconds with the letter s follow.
2h18
